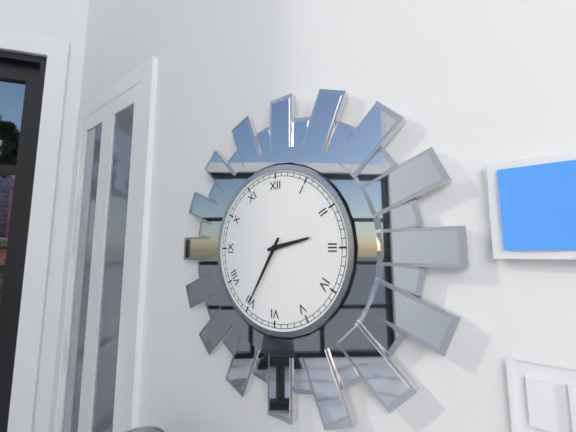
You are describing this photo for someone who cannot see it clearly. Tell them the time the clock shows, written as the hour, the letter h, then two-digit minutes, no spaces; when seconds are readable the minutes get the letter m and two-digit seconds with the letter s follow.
2h35
